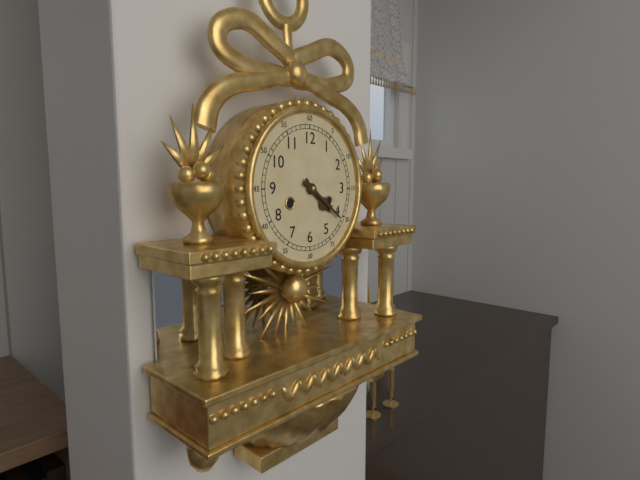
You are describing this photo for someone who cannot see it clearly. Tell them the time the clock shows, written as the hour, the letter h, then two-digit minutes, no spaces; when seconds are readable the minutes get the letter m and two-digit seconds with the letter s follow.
4h21
